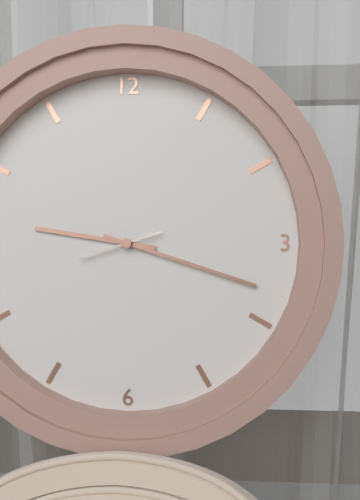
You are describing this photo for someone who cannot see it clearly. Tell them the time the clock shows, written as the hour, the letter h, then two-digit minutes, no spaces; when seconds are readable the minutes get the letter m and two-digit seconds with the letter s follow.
9h18m42s
